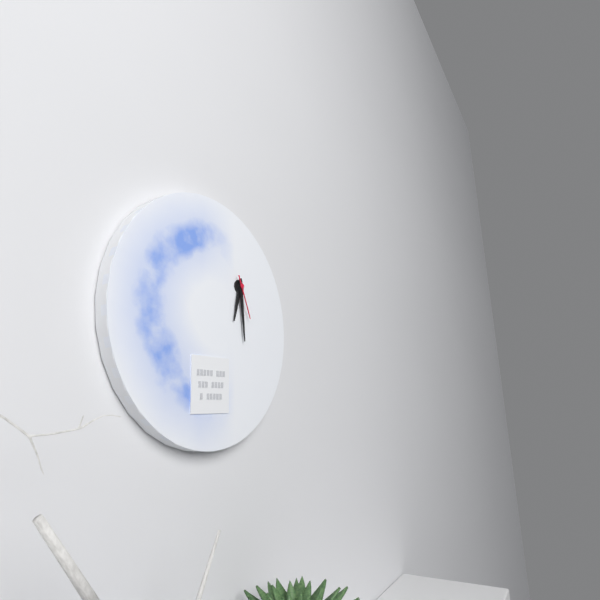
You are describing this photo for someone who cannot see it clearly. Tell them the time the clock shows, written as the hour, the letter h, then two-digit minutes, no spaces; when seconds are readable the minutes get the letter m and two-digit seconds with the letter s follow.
6h29
